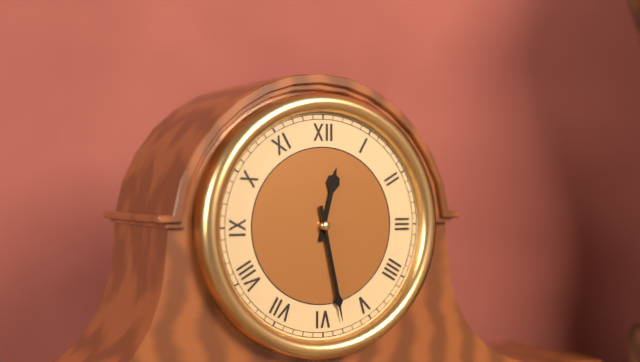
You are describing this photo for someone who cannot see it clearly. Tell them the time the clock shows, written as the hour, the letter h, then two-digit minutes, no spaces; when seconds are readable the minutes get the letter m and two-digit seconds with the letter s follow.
12h28
